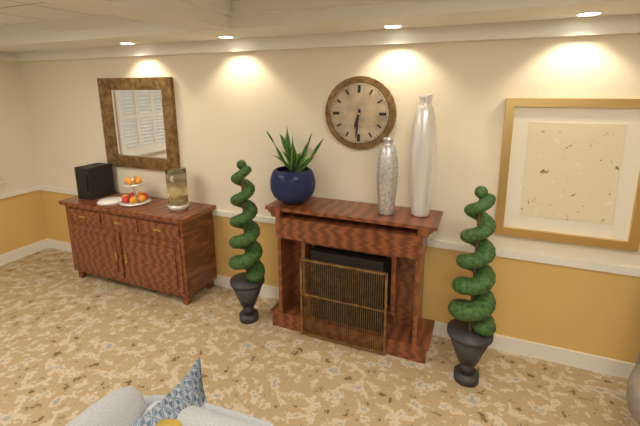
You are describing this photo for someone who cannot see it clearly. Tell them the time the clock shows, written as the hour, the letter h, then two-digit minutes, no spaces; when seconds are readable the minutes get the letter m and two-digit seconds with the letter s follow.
6h31
